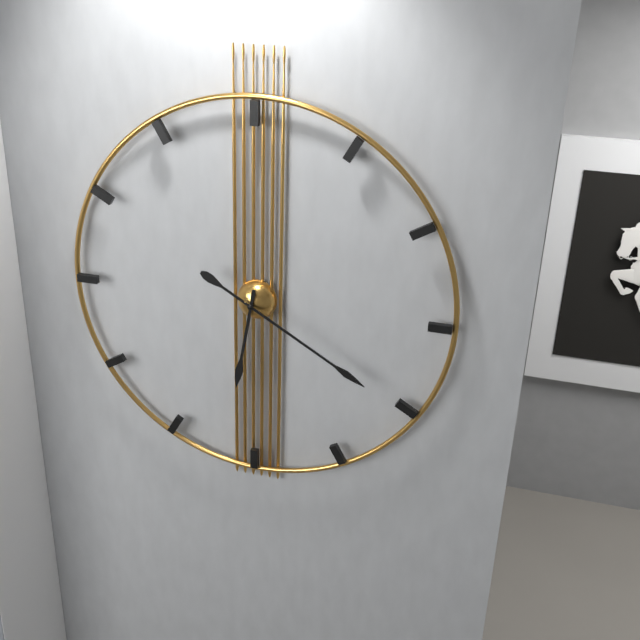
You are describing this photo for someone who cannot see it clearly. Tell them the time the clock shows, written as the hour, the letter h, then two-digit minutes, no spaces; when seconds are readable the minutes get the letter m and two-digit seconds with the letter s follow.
6h20
